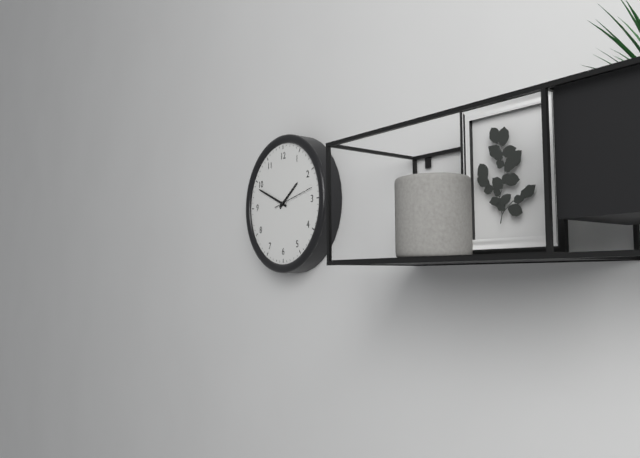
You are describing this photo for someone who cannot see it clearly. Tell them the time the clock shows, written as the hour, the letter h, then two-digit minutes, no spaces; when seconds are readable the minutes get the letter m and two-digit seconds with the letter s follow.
1h49
